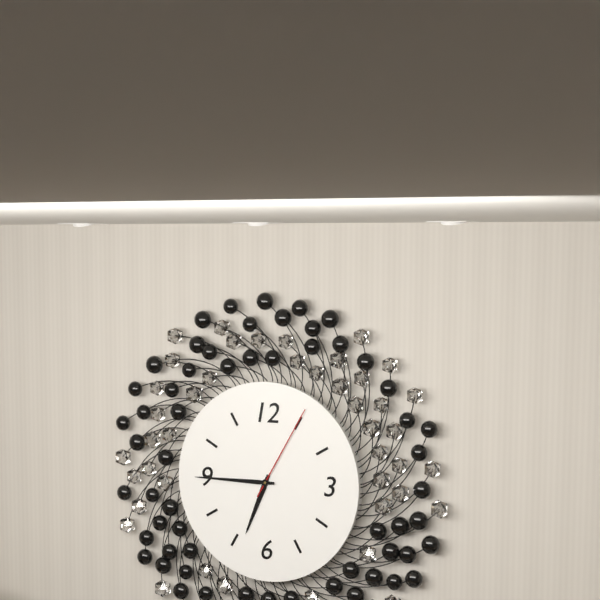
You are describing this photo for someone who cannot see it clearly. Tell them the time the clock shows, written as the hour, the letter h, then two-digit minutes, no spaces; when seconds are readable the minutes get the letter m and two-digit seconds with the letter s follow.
6h45m05s
